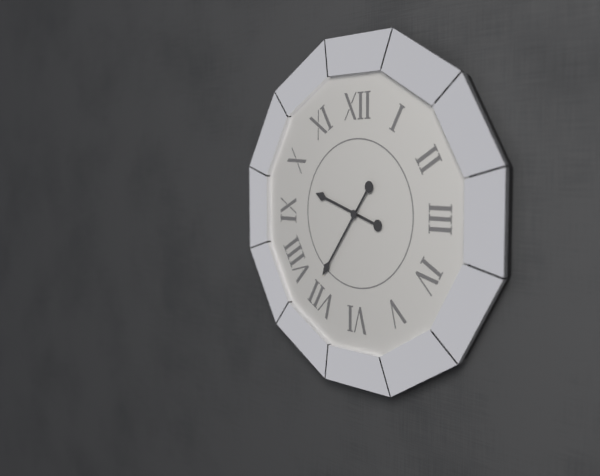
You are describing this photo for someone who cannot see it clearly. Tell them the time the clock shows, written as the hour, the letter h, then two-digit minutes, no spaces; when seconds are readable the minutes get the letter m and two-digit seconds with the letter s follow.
9h36
